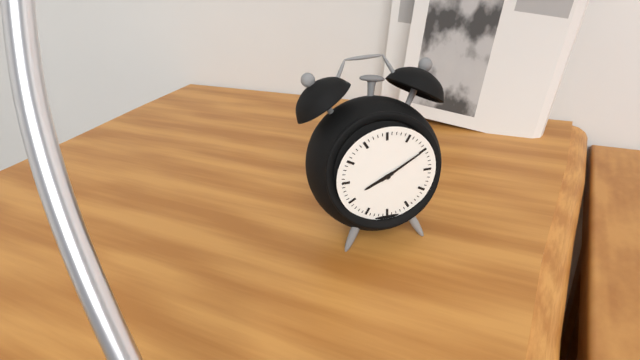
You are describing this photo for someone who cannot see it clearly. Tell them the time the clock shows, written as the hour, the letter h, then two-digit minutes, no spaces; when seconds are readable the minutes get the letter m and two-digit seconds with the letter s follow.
8h10
